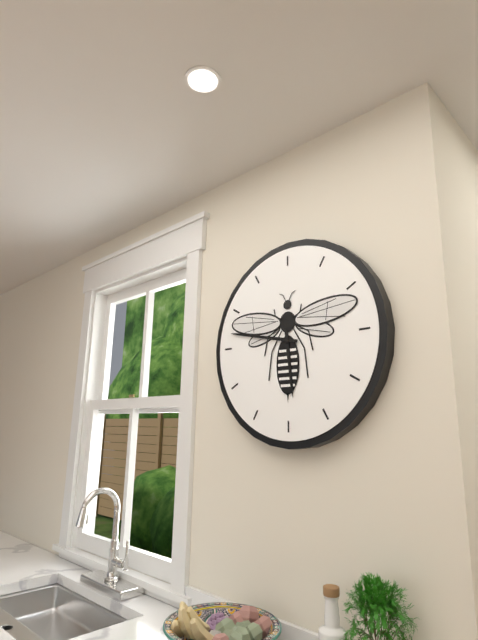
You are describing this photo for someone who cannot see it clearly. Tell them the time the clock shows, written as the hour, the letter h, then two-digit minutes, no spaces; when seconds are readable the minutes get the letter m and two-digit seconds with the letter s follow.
5h47
